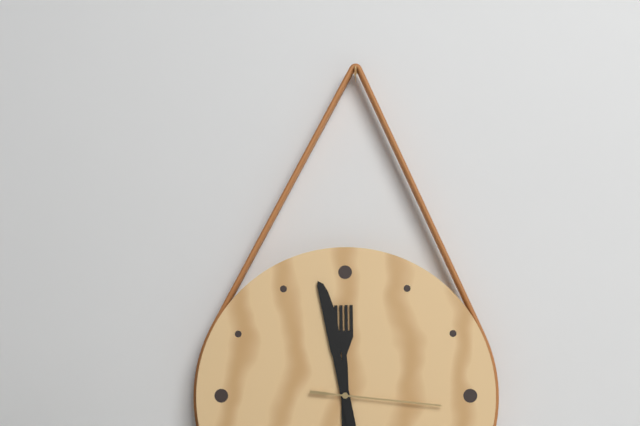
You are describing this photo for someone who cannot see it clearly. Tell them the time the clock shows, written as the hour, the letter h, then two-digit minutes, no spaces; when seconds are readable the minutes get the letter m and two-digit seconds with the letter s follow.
11h58m16s
